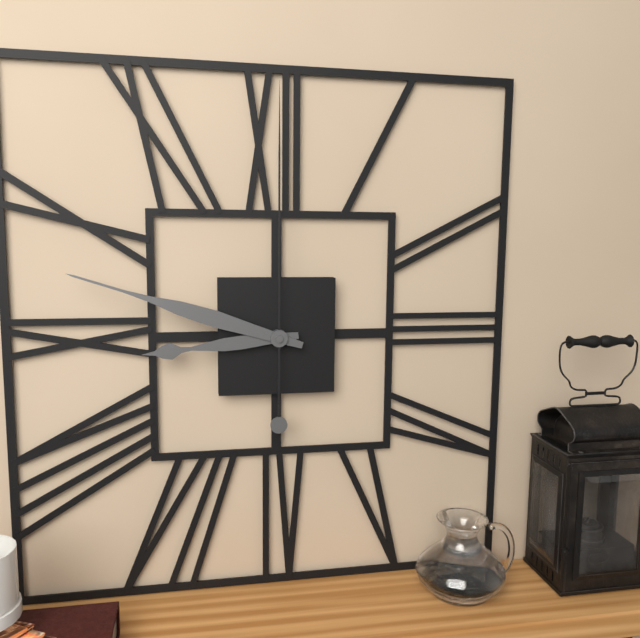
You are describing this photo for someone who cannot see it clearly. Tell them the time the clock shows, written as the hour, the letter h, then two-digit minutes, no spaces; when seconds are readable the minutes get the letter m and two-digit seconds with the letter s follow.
8h48m00s
